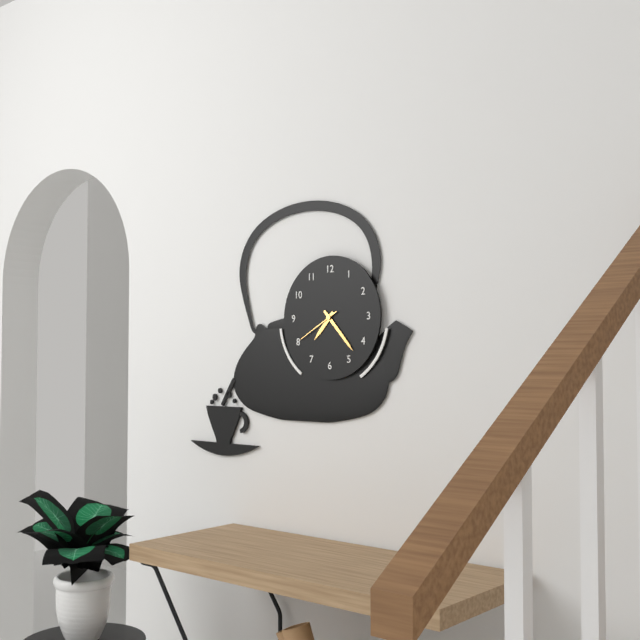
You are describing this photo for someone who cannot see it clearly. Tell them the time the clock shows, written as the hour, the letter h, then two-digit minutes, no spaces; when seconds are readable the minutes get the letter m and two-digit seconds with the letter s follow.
7h23
